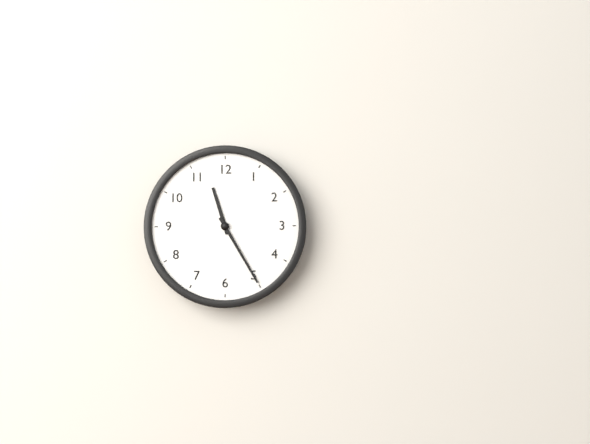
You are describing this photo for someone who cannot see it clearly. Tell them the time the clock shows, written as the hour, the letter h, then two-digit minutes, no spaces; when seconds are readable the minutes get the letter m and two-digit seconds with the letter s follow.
11h25
